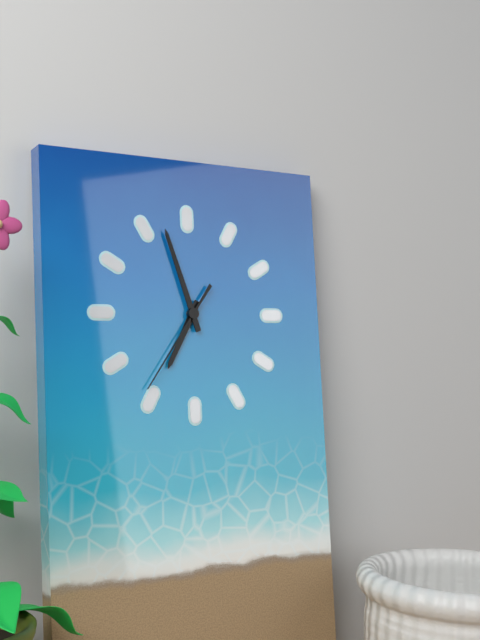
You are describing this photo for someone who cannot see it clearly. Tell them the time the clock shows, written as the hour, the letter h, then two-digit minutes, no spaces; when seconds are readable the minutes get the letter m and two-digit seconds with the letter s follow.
6h57m36s
